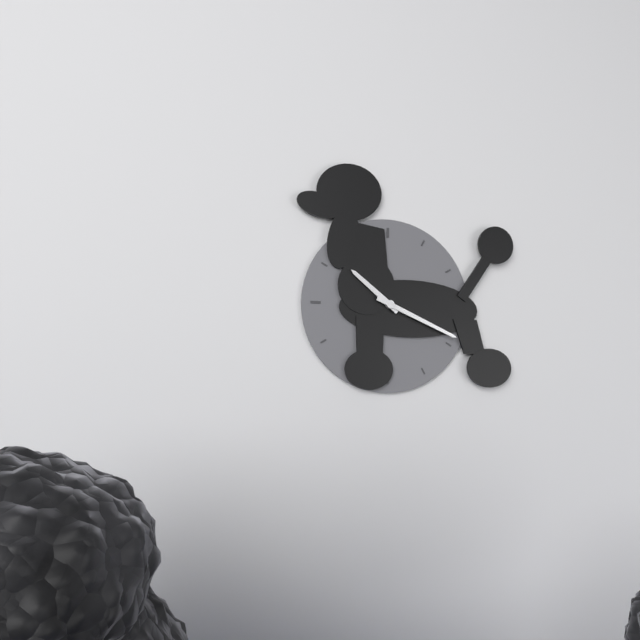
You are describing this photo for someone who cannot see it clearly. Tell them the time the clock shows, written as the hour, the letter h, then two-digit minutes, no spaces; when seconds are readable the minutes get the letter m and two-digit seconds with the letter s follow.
10h19
